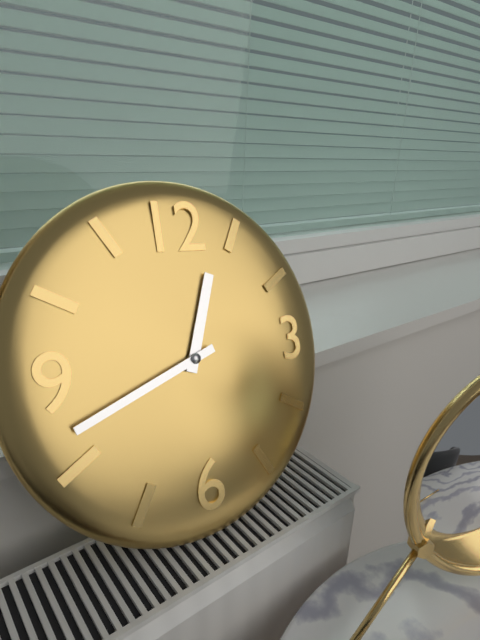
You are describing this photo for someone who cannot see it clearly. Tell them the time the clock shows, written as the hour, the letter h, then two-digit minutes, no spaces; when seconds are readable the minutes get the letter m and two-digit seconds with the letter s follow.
12h42
